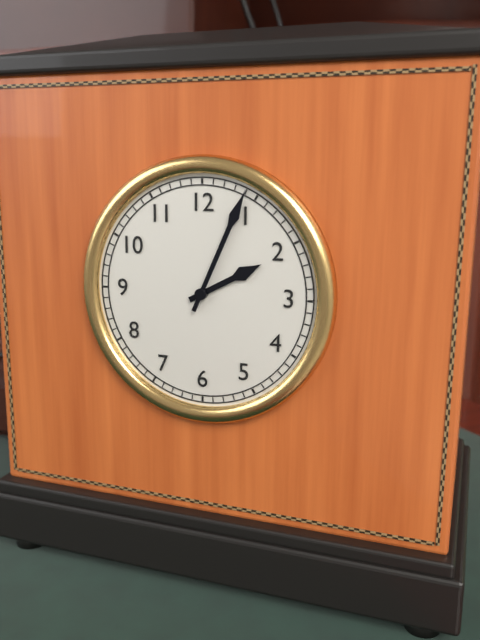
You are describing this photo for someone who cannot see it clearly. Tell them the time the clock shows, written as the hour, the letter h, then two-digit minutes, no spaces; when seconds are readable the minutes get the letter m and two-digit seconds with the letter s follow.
2h04
